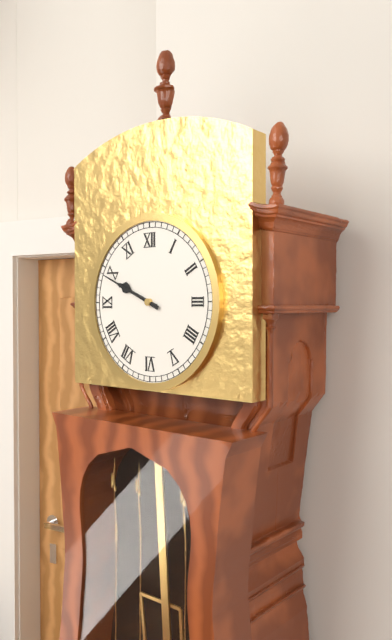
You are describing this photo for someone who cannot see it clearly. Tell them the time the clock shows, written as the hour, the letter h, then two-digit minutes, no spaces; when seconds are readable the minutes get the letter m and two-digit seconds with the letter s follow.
9h49
